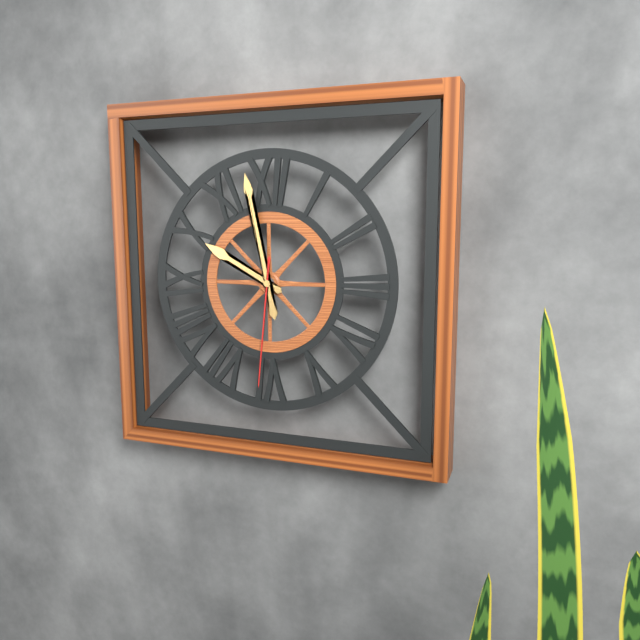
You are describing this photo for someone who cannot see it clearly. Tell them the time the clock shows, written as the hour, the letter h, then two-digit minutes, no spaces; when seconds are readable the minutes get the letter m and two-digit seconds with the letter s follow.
9h58m31s
